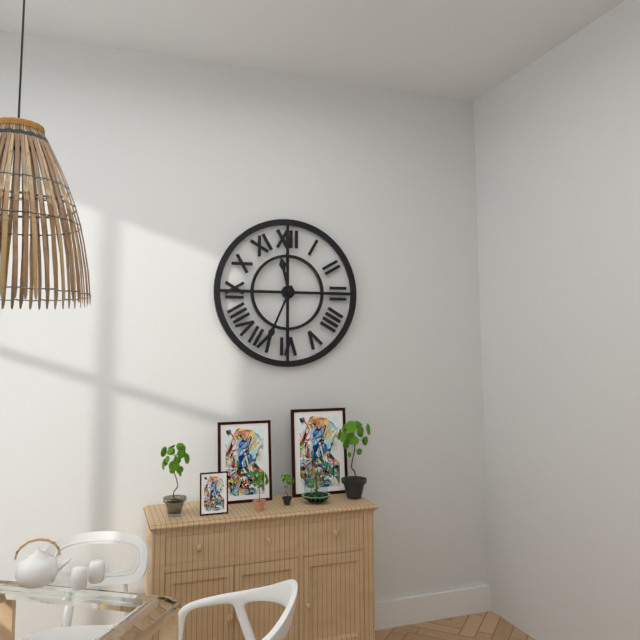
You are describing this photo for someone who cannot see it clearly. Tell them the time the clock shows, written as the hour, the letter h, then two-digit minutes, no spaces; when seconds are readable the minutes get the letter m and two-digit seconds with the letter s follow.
11h34
